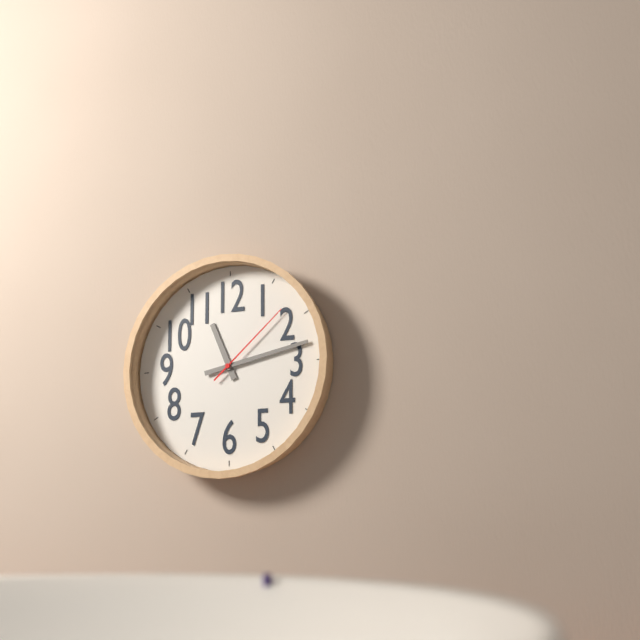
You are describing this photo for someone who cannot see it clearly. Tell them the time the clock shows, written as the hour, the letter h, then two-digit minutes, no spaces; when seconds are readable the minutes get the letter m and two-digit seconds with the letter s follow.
11h13m08s
